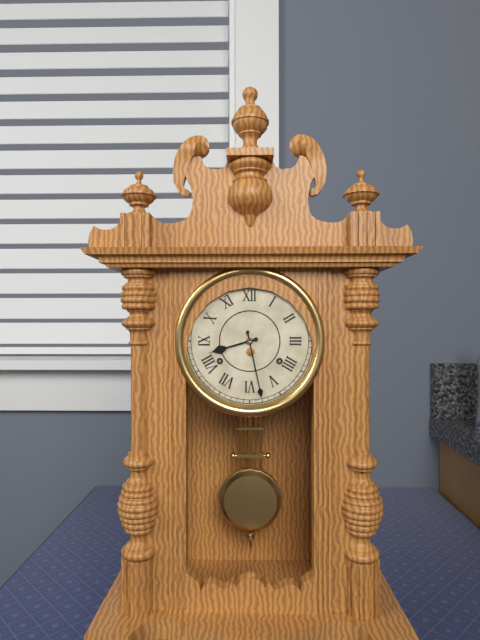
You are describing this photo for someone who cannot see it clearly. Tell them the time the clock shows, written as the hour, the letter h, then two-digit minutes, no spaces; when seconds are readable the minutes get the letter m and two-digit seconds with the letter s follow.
8h28
